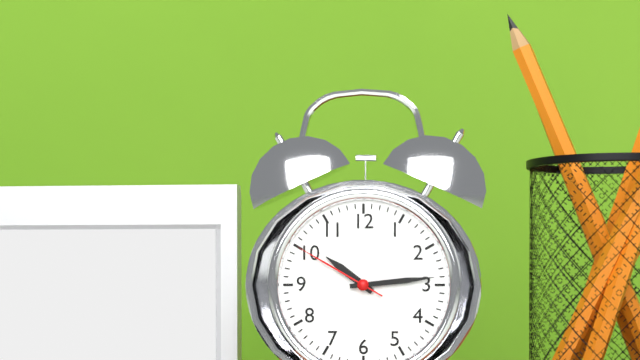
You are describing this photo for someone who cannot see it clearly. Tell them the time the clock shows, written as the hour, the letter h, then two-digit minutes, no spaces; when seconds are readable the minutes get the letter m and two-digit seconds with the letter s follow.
10h14m50s
